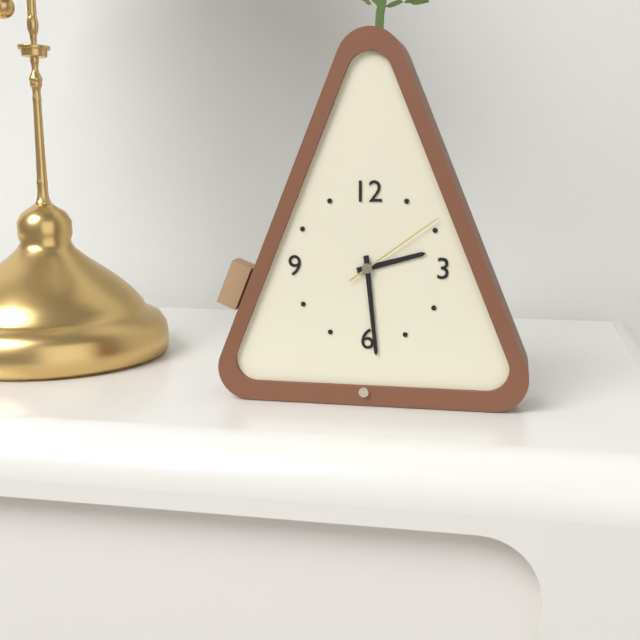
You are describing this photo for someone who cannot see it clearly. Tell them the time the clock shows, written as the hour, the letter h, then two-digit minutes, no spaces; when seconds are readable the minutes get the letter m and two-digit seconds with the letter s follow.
2h29m09s
